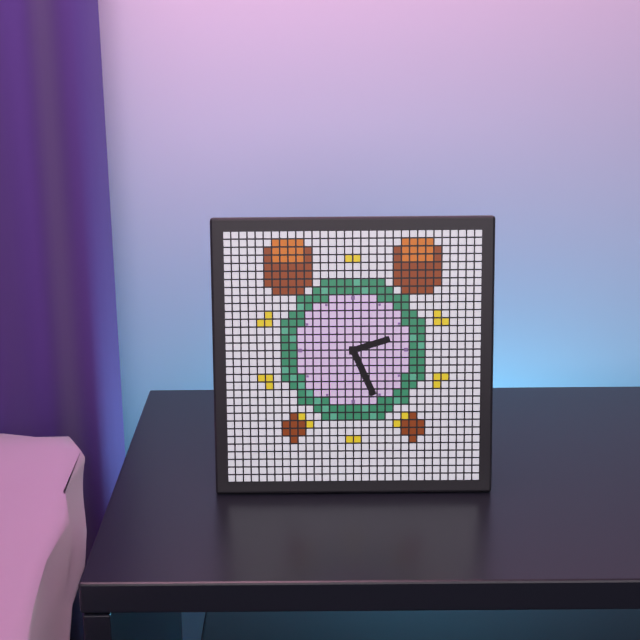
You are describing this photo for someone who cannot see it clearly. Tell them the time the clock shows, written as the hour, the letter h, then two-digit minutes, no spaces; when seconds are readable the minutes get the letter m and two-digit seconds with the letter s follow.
2h26
